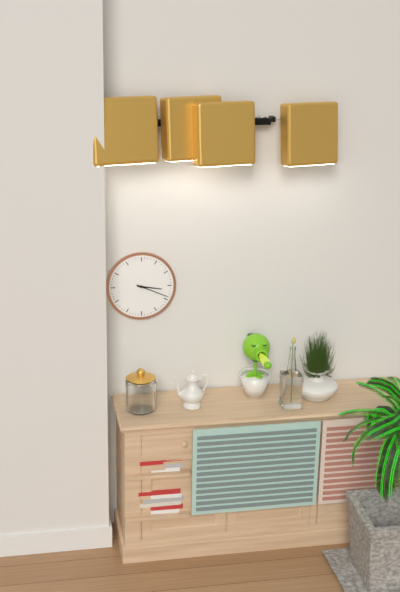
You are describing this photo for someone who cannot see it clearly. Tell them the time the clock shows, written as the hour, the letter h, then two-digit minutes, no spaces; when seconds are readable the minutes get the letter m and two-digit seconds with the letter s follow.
3h19
